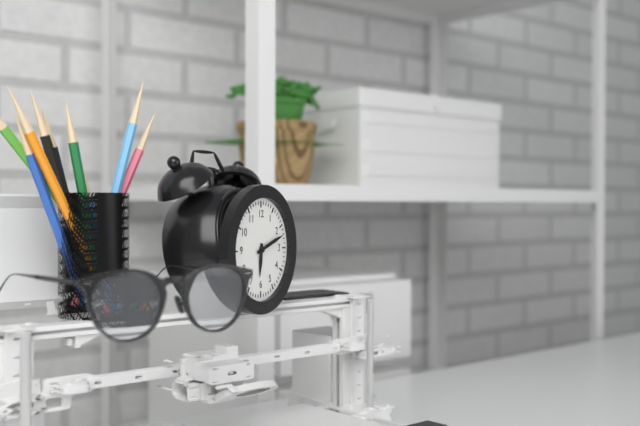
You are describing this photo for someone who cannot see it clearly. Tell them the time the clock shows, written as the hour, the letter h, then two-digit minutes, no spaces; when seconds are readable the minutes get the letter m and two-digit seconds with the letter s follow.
6h12
